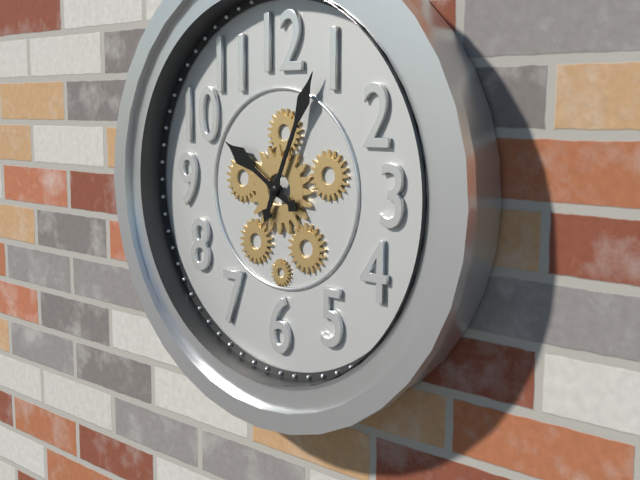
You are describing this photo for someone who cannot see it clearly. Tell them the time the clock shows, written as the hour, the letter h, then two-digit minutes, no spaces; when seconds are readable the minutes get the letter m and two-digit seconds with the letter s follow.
10h04
